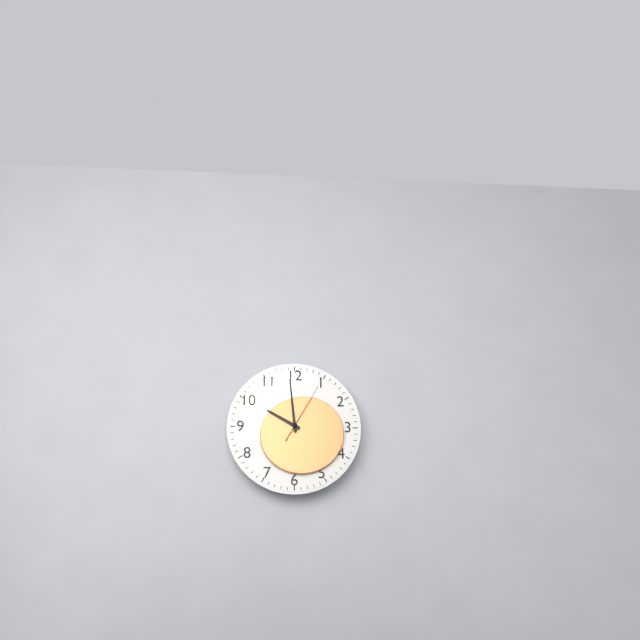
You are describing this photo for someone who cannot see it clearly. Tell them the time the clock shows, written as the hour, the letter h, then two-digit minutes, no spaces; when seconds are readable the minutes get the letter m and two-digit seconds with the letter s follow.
9h59m05s
